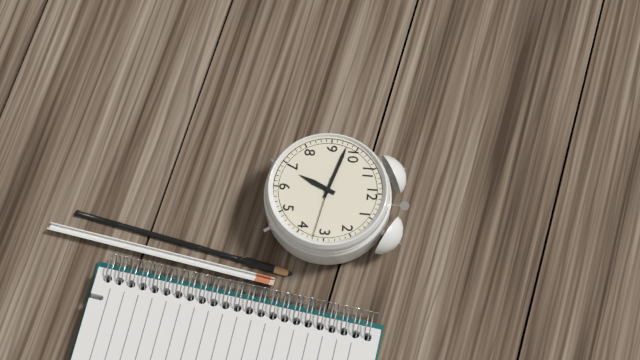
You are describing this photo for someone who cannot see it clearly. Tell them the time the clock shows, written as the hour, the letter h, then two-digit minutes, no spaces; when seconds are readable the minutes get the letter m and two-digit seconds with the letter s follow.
6h48m17s
